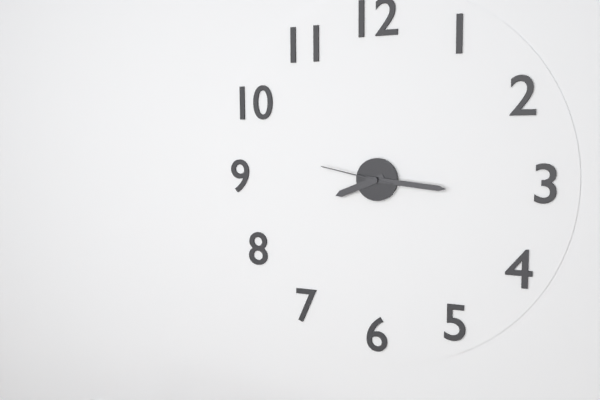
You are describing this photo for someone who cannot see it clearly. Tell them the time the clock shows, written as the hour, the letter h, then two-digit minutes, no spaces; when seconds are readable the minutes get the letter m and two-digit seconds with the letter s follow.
8h16m47s
